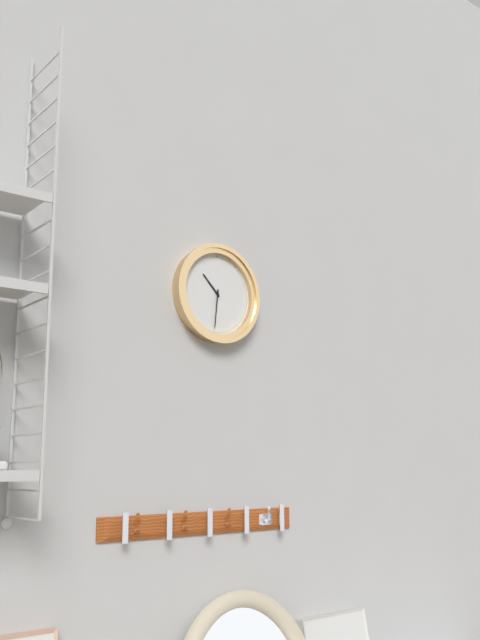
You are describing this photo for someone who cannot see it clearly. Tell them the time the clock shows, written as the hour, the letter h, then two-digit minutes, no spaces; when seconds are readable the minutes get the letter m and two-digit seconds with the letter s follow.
10h31
